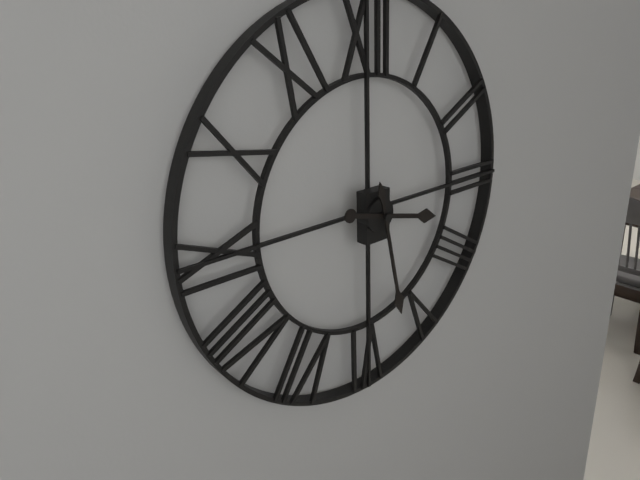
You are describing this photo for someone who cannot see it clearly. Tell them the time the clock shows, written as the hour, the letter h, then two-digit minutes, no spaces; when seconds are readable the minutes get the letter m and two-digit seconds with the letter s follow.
3h28
